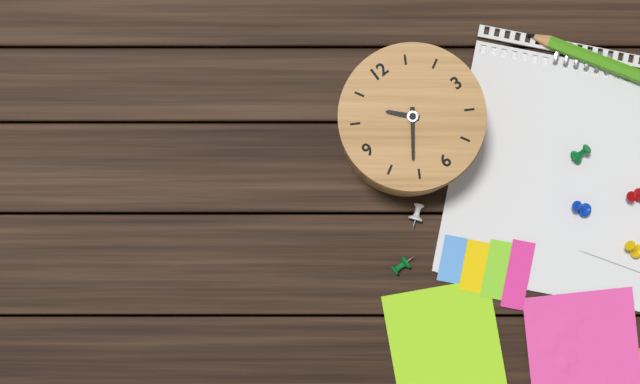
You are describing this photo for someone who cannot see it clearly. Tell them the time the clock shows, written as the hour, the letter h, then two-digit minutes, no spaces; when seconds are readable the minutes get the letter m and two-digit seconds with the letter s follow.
10h36
